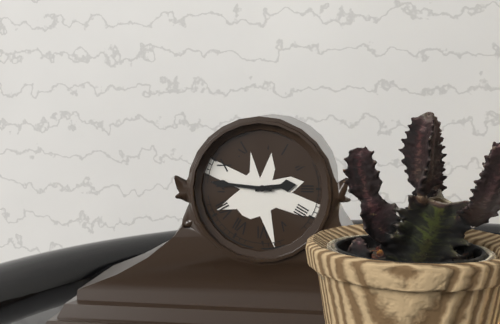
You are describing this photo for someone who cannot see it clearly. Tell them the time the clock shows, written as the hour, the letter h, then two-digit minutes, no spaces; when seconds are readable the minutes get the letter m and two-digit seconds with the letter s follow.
2h46
